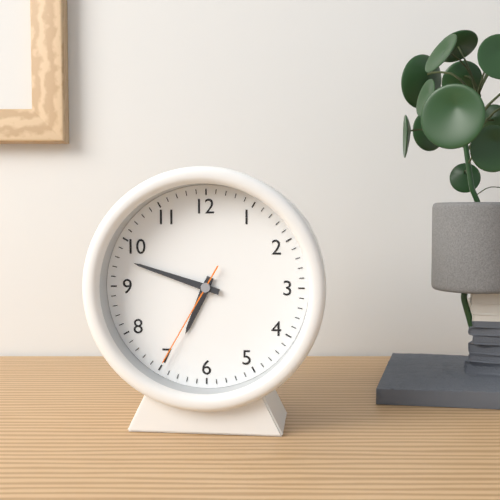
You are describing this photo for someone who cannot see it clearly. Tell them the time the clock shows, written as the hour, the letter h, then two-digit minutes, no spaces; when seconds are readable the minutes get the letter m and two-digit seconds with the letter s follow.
6h48m35s
